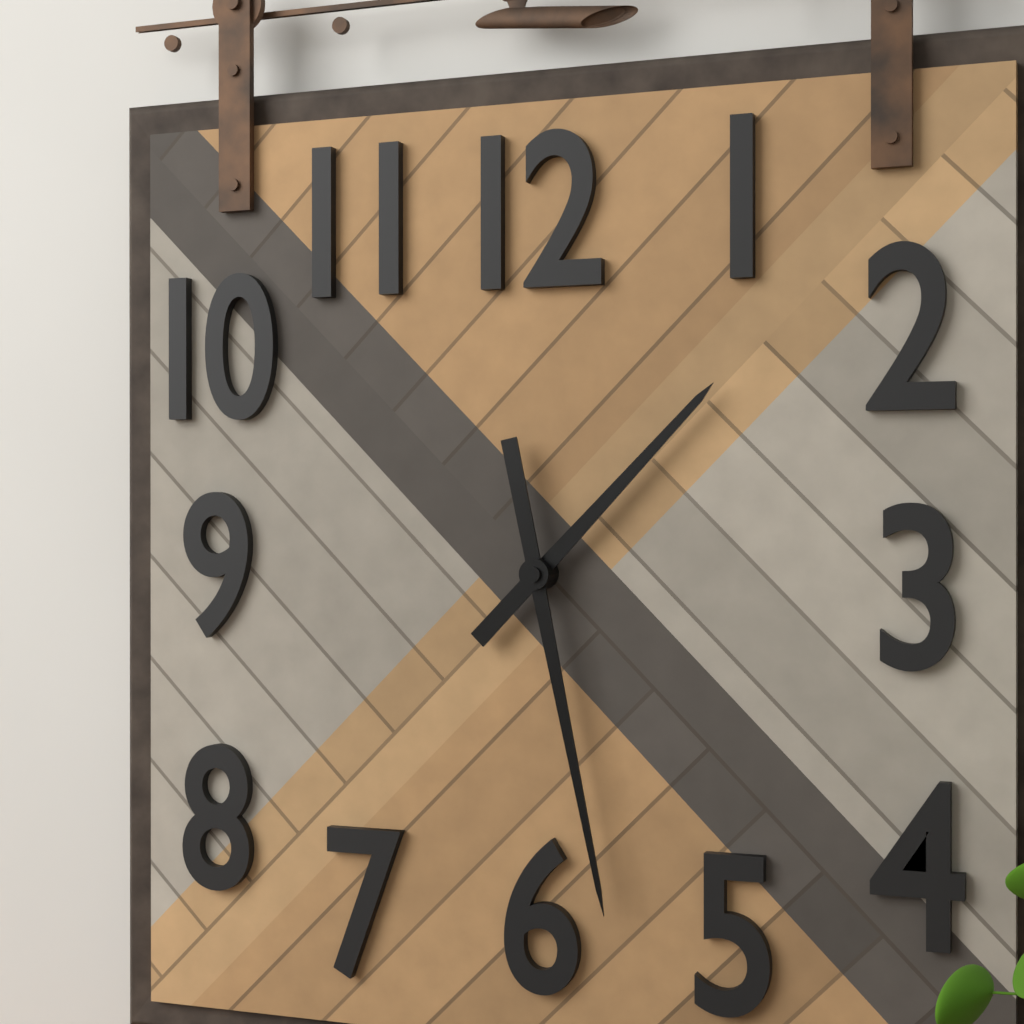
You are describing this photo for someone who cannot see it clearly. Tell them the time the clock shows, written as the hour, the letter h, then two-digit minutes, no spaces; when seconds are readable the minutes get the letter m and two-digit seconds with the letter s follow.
1h28
